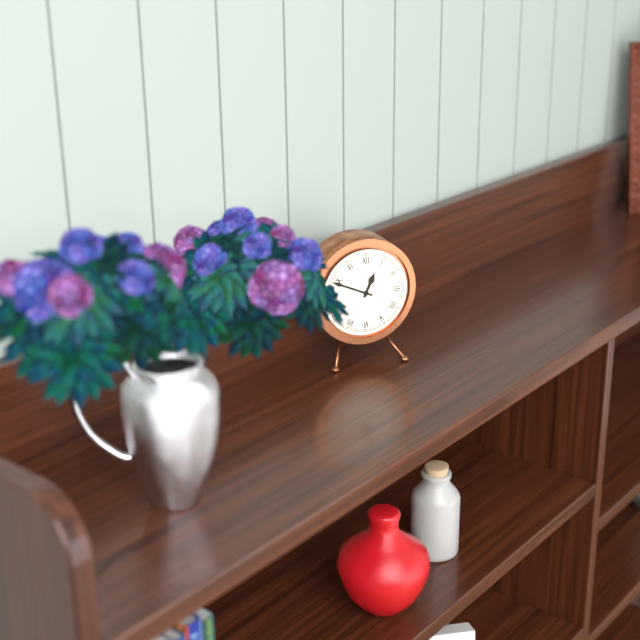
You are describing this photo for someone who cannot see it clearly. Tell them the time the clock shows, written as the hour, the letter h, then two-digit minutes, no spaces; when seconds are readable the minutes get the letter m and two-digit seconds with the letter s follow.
12h49
